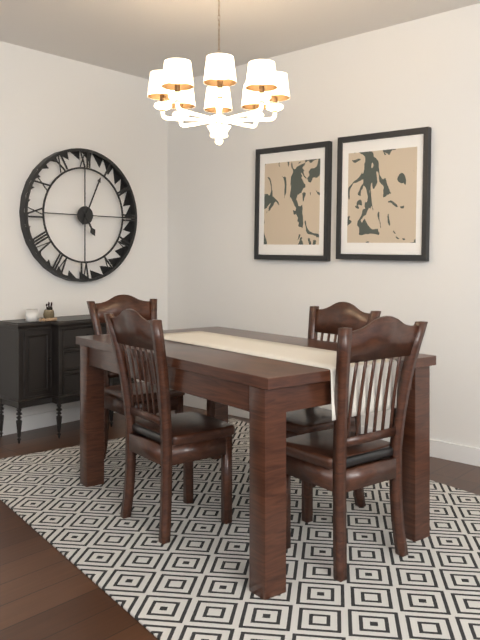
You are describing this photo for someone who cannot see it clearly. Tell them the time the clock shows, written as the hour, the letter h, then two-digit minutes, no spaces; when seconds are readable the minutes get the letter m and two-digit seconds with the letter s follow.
5h04
